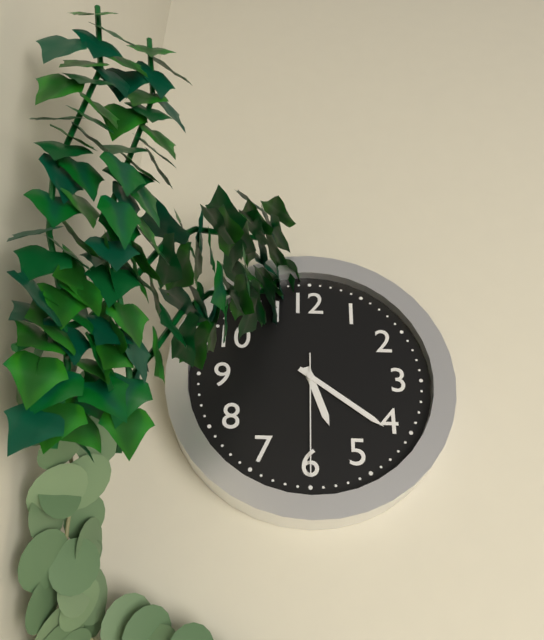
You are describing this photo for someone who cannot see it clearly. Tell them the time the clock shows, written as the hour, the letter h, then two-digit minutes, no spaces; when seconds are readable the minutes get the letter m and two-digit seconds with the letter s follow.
5h21m30s
